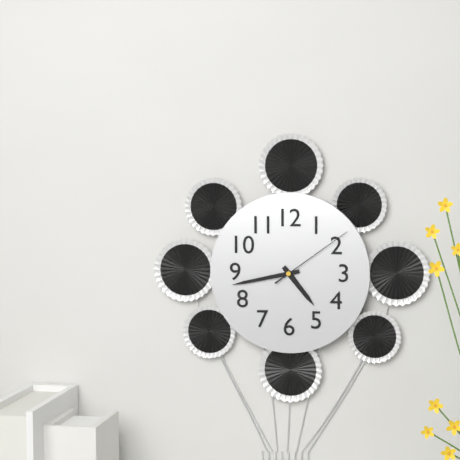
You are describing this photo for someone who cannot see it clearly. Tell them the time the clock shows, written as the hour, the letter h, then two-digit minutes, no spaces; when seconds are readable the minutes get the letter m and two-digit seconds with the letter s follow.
4h43m09s
